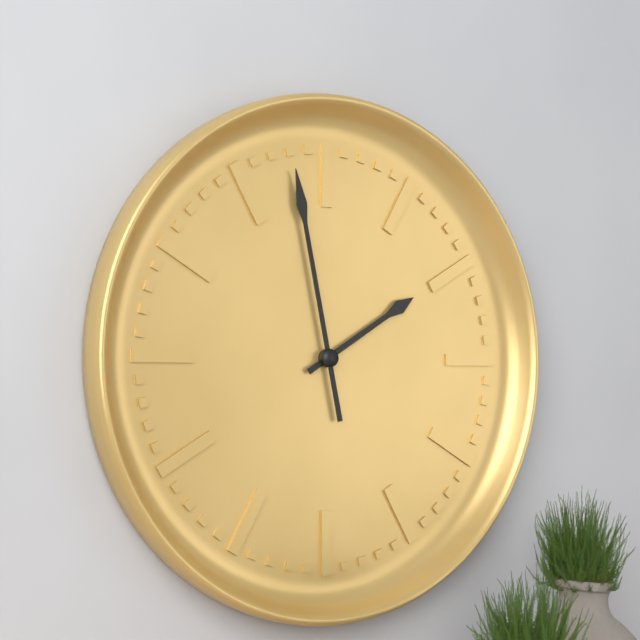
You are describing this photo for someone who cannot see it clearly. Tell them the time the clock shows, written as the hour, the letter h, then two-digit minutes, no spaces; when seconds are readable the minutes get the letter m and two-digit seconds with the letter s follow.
1h58
